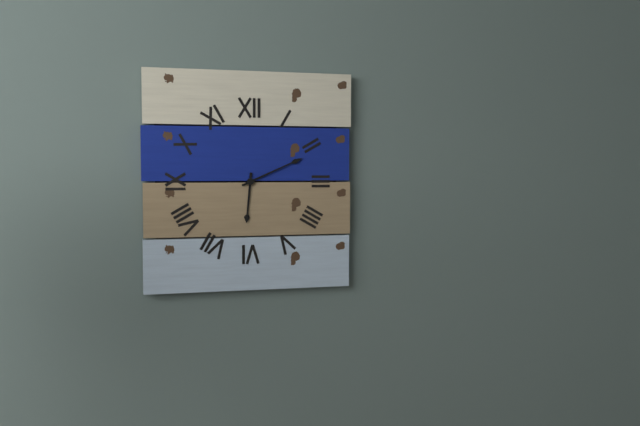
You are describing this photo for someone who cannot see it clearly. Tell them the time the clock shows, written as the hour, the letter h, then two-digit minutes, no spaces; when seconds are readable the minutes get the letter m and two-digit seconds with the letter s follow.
6h11
